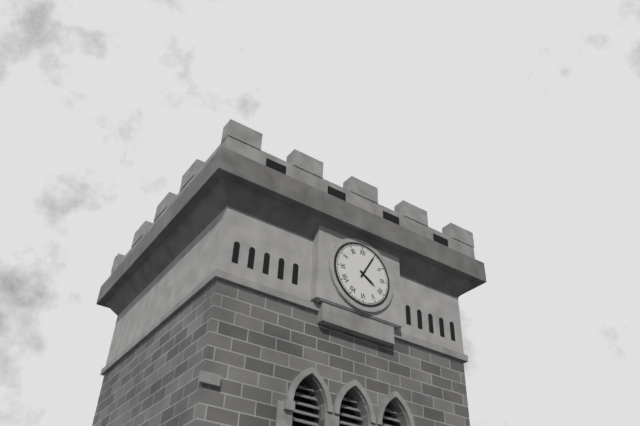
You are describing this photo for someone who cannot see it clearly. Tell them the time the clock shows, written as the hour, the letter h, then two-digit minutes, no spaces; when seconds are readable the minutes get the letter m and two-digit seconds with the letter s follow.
4h05
